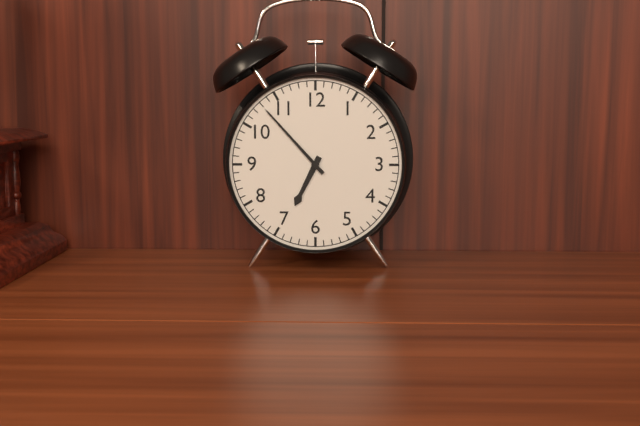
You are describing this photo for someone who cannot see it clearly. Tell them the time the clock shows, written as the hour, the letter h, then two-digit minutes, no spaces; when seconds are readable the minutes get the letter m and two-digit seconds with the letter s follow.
6h53
